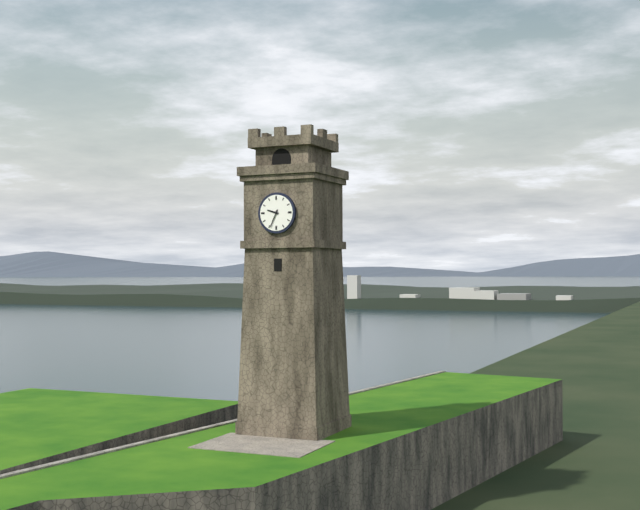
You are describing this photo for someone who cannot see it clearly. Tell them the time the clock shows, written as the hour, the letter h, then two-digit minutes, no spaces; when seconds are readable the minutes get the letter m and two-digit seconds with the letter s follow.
9h34
